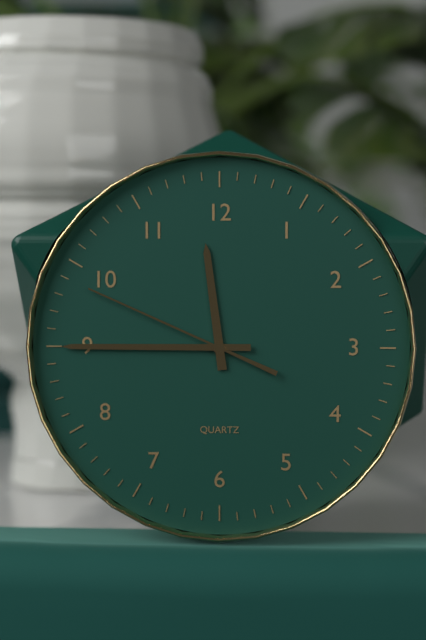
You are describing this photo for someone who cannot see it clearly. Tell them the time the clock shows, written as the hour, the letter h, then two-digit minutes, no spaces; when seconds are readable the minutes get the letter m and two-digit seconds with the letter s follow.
11h45m49s
